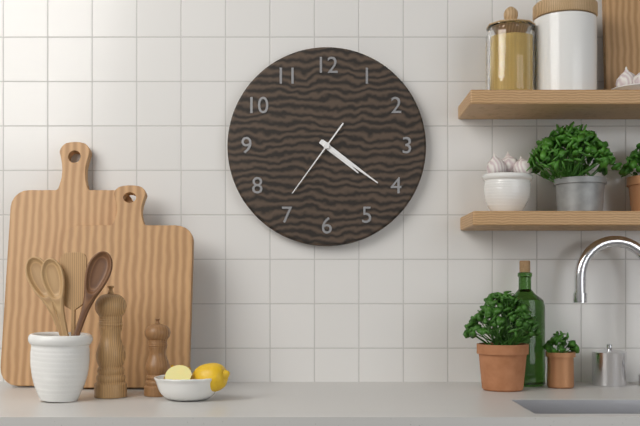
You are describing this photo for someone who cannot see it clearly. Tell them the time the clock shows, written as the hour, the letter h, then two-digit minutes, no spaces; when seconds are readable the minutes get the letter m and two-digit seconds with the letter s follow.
4h21m36s
